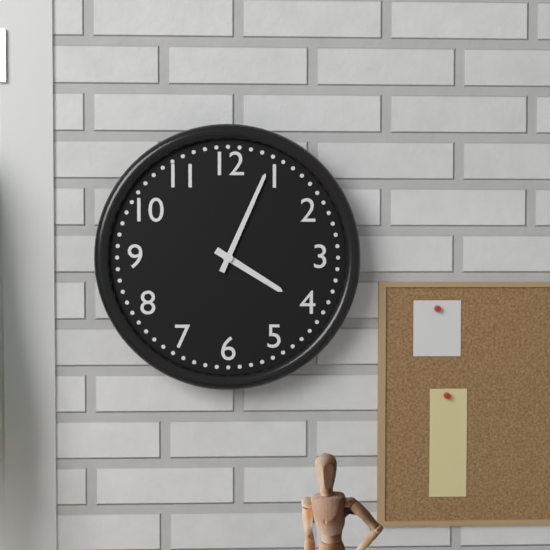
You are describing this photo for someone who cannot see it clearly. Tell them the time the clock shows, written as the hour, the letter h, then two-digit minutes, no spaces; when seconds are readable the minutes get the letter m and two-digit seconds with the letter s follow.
4h04
